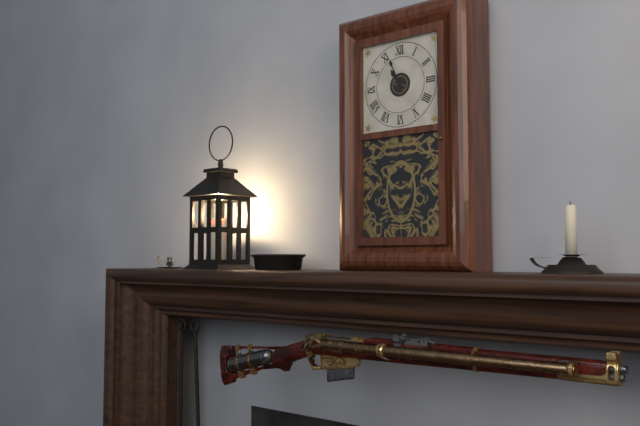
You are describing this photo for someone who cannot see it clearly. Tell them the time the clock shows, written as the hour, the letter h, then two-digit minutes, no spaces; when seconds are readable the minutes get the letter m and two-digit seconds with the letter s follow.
10h56
